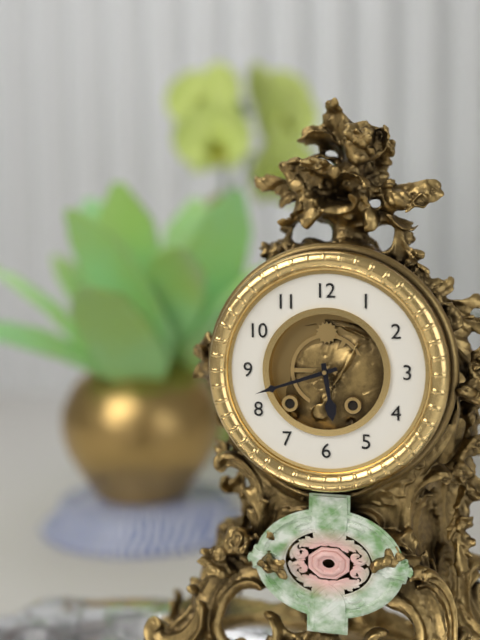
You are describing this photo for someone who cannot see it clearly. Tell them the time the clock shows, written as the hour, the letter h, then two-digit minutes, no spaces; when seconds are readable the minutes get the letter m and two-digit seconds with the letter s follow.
5h42
